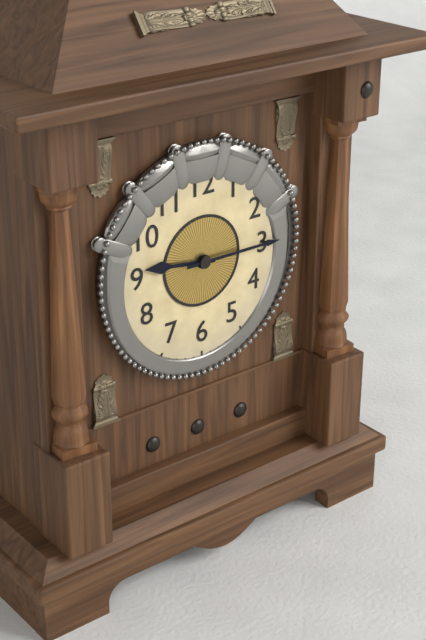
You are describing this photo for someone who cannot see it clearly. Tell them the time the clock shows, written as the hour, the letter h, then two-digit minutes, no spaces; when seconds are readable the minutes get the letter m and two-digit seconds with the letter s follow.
9h15
